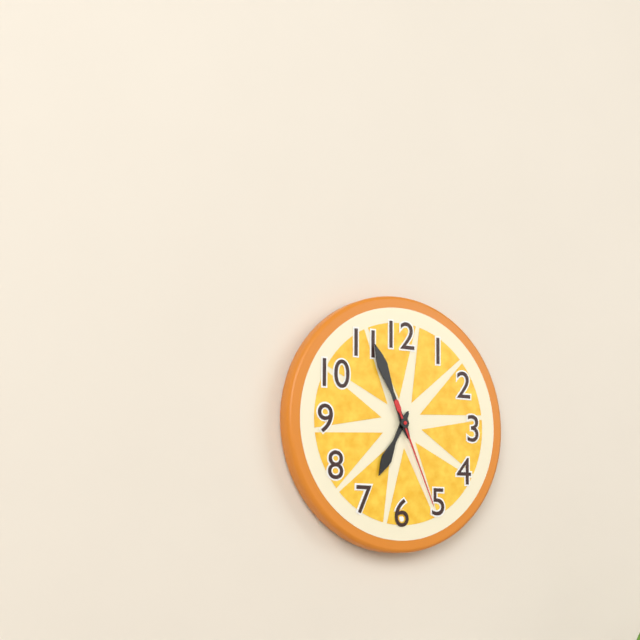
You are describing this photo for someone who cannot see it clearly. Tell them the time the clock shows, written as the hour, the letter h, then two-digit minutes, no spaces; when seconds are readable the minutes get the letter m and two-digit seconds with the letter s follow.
6h56m26s
